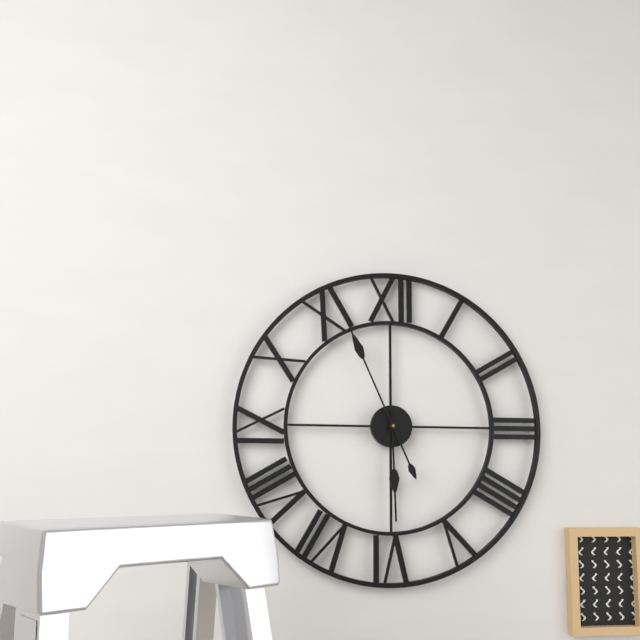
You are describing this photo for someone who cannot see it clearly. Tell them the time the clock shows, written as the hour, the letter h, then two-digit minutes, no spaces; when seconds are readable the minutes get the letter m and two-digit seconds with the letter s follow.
5h56
